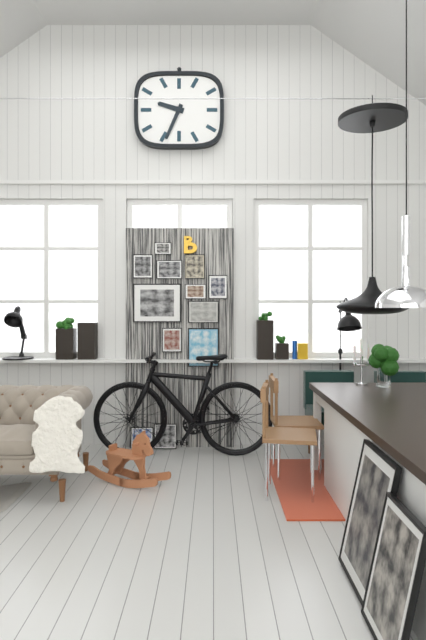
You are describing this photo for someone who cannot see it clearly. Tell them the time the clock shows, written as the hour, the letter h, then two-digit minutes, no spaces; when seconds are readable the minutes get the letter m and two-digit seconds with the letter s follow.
9h34
